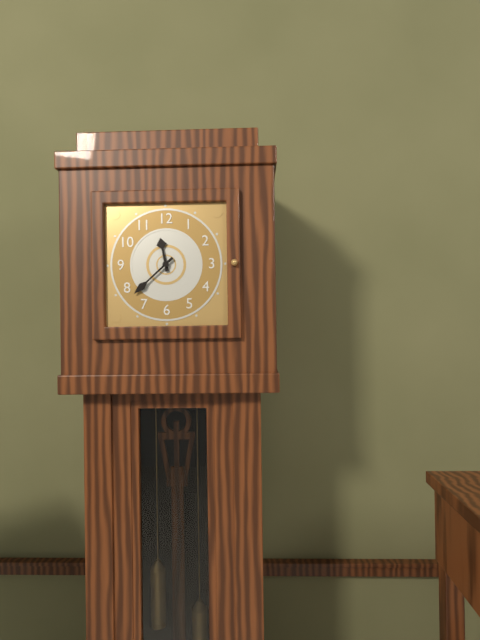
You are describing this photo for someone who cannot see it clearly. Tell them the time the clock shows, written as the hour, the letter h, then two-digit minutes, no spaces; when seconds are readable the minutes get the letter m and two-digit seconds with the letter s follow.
11h38
